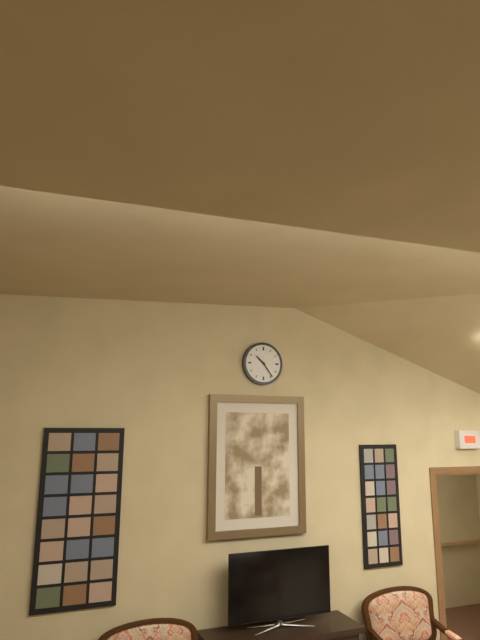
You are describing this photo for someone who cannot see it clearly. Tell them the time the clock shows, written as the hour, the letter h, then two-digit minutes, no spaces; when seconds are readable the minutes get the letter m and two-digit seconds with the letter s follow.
10h24
